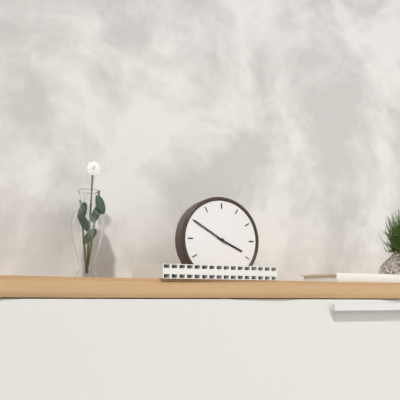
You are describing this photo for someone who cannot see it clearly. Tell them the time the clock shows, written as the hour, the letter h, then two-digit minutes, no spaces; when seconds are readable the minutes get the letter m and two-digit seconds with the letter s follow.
3h50
